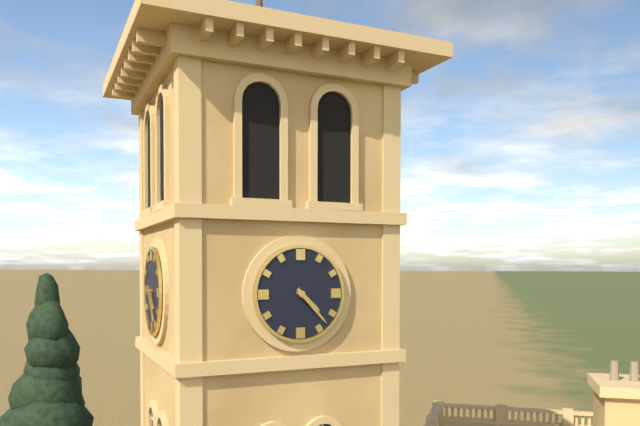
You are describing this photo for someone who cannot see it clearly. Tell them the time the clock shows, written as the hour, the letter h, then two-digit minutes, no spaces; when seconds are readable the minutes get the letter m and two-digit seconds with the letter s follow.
4h23
